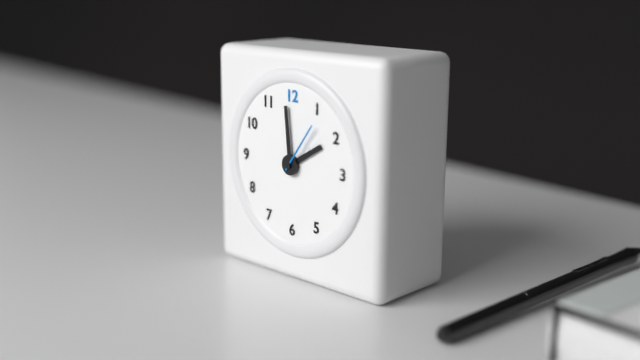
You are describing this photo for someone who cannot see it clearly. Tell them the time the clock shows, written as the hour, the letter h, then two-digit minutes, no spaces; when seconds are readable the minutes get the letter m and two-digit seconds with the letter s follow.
1h59m06s
